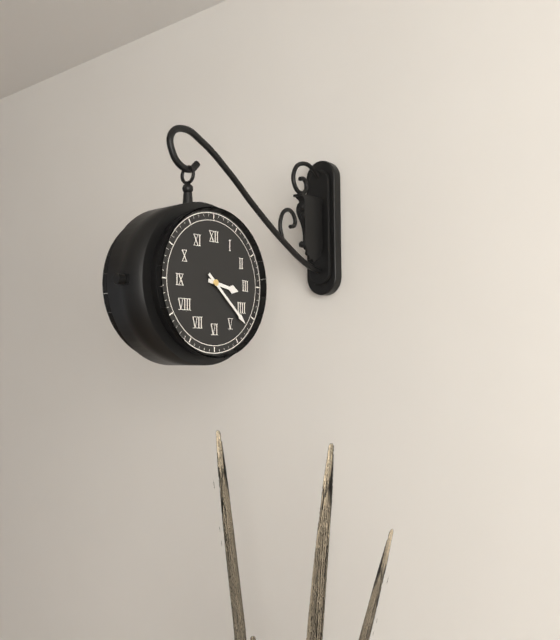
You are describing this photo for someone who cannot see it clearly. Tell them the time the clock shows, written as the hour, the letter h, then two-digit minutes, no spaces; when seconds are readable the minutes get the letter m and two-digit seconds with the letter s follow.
3h22
